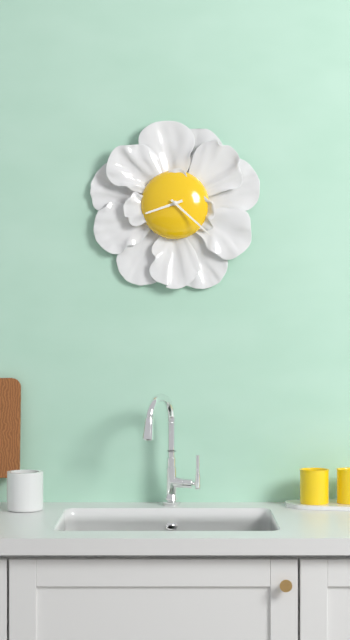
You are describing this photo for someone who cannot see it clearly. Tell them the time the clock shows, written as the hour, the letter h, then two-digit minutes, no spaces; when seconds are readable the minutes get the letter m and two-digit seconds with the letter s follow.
8h22
